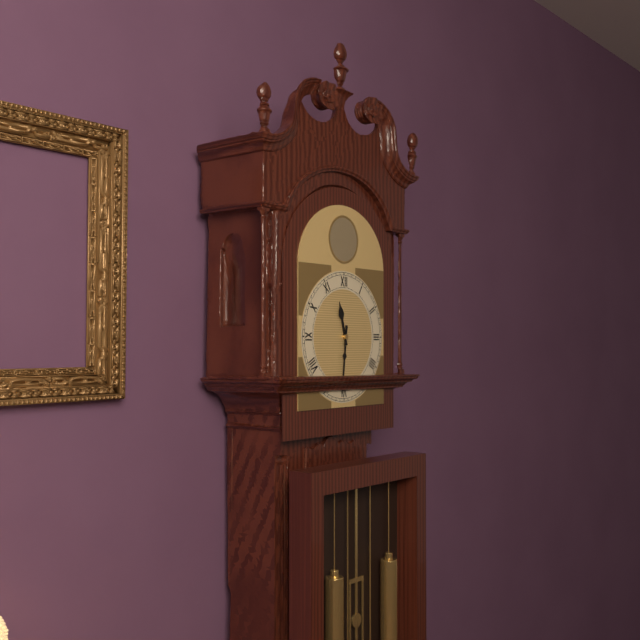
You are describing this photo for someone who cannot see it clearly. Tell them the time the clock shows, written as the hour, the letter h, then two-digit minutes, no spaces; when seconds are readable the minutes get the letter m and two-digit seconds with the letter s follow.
11h31
